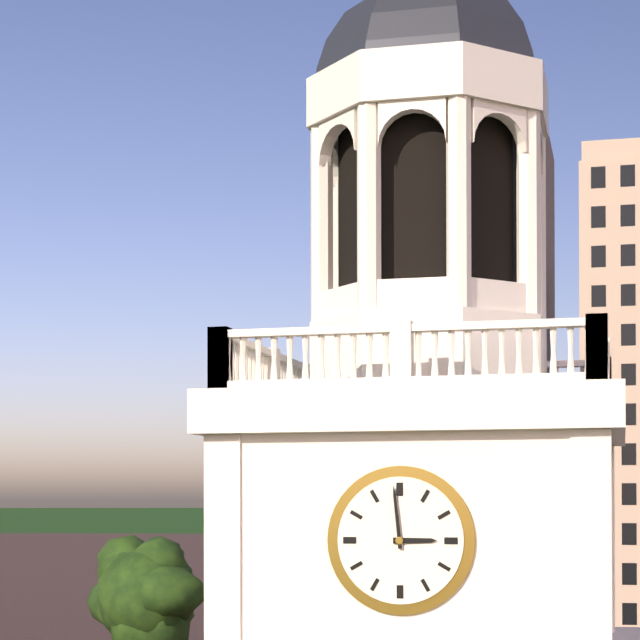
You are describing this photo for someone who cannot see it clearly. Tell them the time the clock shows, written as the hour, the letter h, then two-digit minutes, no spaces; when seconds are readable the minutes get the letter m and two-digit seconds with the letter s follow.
2h59
